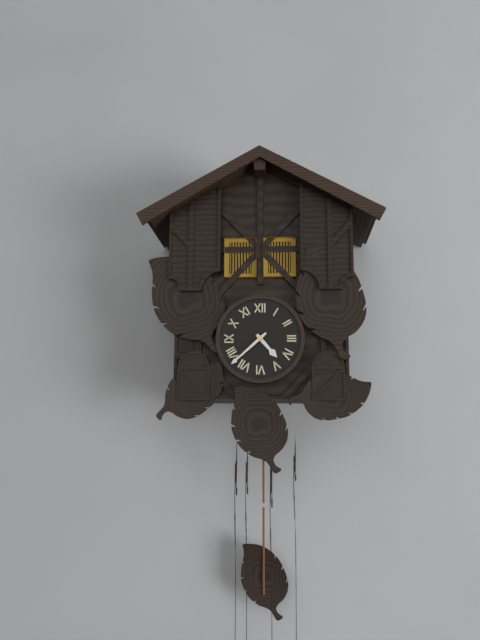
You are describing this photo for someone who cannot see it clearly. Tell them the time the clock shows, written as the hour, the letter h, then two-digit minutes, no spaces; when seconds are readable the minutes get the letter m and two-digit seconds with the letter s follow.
4h38
